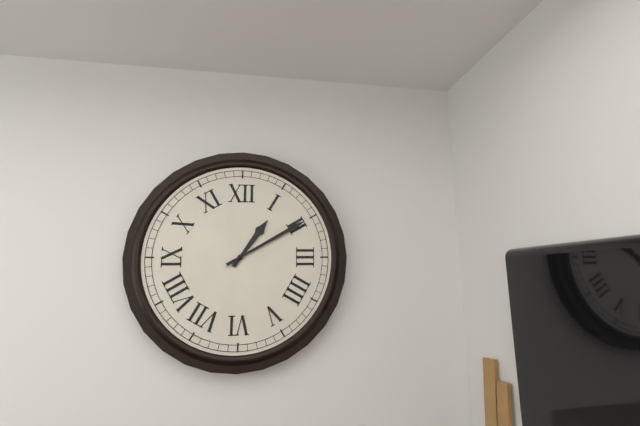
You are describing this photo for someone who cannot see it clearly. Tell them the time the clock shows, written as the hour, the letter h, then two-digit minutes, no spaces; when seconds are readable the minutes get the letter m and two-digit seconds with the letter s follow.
1h10
